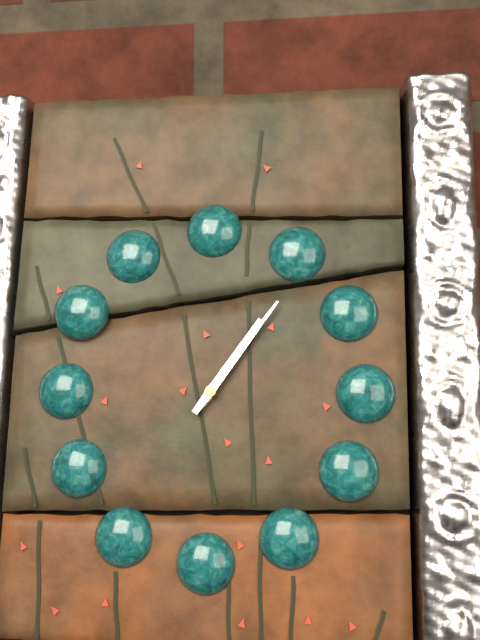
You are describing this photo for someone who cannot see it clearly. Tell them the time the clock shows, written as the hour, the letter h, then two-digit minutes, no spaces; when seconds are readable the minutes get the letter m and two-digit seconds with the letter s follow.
1h06
